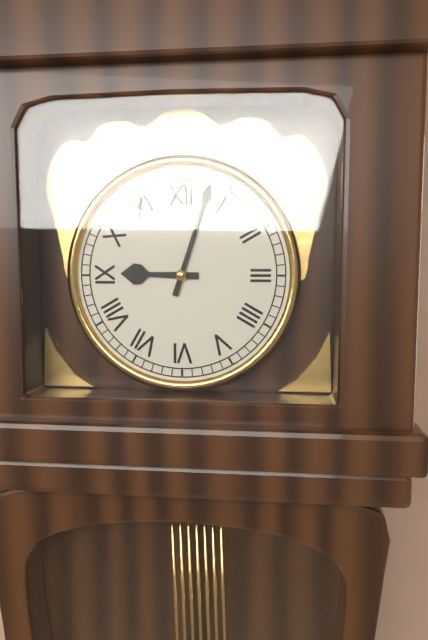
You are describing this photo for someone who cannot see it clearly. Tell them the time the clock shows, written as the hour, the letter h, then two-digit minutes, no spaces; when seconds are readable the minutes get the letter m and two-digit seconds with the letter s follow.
9h03
